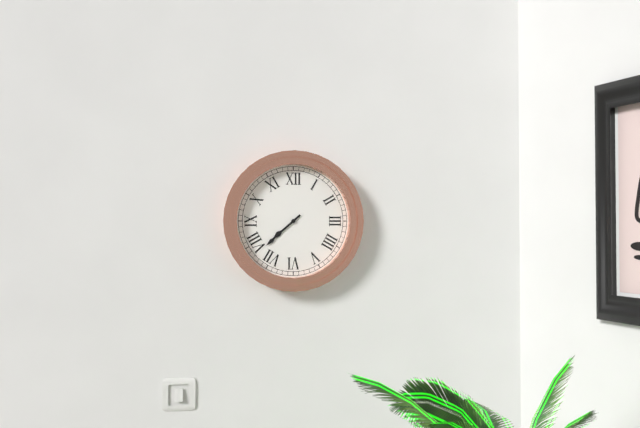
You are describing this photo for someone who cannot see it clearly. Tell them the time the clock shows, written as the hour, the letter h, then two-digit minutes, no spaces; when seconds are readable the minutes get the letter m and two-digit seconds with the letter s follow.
7h38
